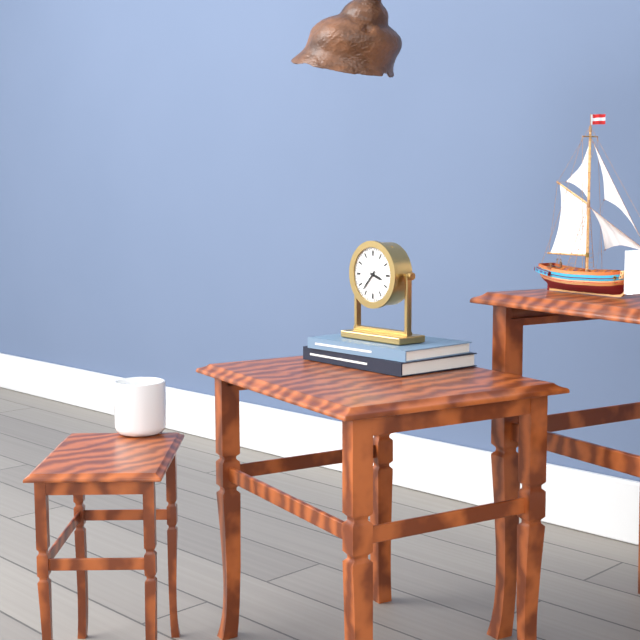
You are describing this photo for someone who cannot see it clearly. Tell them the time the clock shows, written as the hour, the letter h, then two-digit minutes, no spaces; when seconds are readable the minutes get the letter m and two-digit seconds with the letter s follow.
3h37
